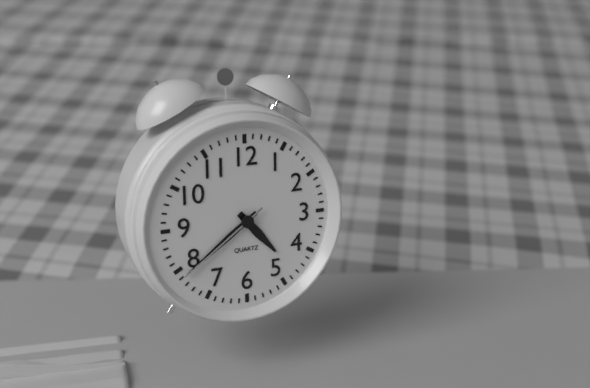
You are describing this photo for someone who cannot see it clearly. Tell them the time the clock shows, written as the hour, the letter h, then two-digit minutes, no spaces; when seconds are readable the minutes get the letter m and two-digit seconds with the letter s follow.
4h39m39s
